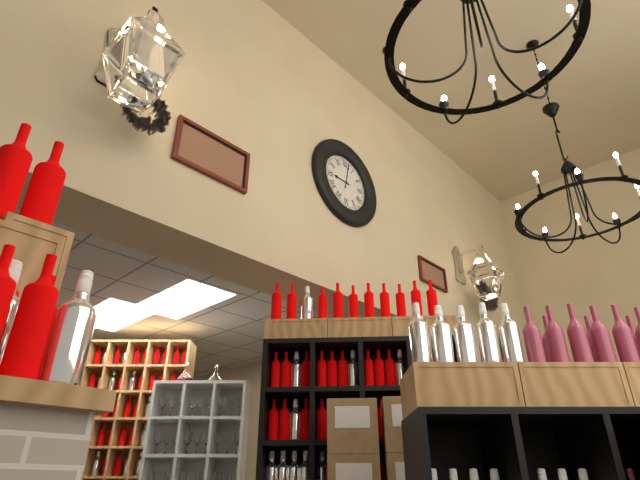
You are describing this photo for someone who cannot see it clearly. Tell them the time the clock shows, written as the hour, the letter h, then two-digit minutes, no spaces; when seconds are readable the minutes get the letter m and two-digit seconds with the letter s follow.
9h02
